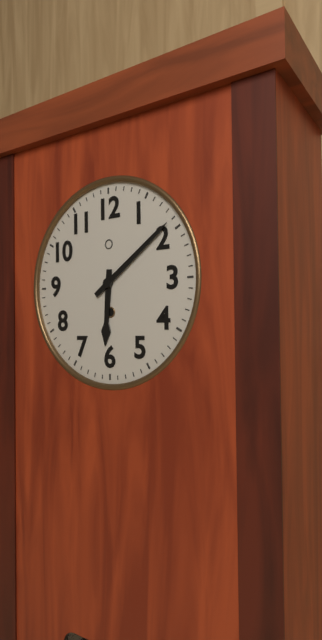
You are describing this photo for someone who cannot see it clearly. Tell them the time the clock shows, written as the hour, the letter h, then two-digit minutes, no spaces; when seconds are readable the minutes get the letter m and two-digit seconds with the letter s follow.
6h09
